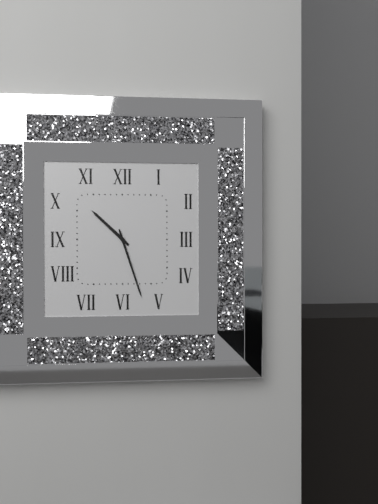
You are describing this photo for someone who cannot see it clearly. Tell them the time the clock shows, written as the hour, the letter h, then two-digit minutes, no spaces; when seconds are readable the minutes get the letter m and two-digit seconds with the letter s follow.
10h27
